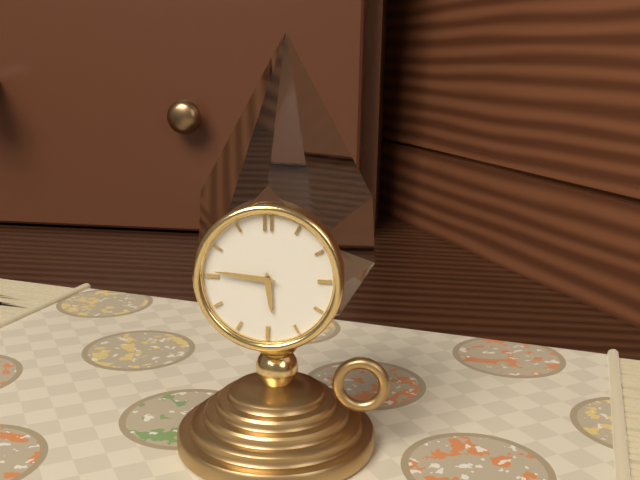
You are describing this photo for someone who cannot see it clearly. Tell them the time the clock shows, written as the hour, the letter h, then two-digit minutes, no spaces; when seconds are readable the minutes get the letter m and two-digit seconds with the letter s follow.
5h46
